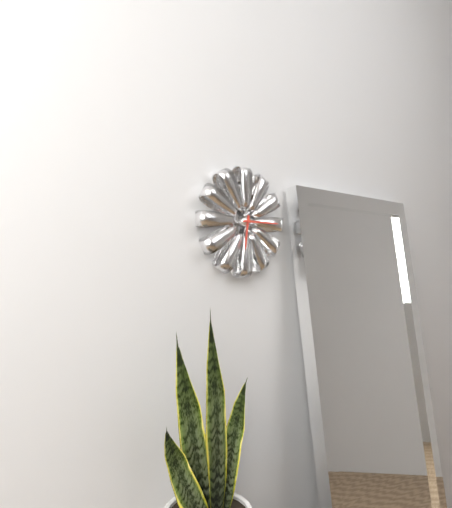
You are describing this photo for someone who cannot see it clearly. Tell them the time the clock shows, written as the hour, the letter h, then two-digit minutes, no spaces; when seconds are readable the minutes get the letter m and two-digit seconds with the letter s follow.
6h15
